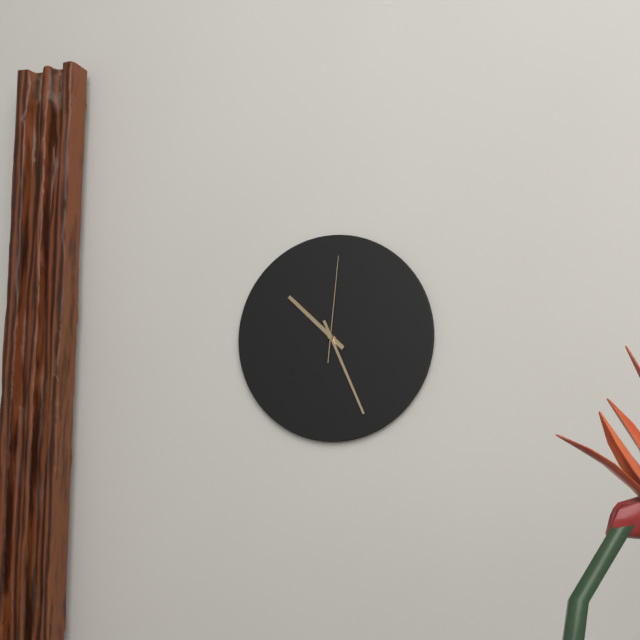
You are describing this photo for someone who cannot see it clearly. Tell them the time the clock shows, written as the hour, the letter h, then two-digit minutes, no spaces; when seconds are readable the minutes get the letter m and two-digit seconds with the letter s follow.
10h26m01s
